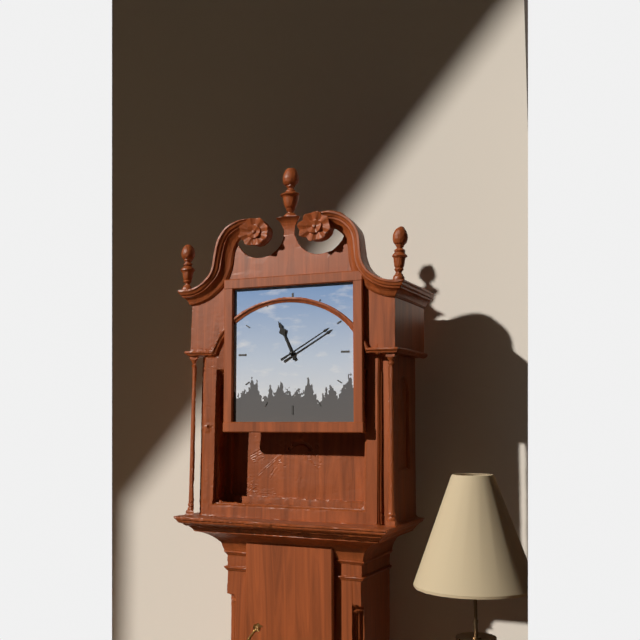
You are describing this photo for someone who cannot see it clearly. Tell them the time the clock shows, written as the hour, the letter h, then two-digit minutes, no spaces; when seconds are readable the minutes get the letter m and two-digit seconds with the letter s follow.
11h10
